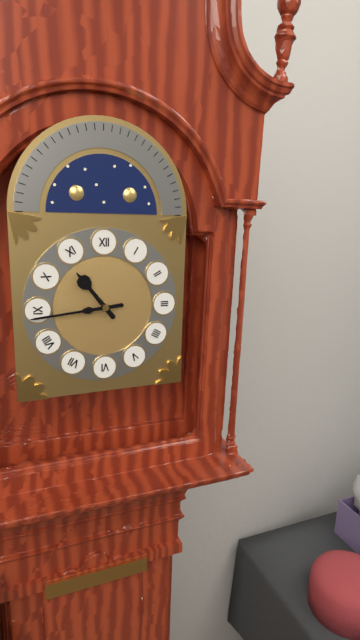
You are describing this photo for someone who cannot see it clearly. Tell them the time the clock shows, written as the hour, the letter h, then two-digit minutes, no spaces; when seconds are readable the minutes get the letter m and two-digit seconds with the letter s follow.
10h44
